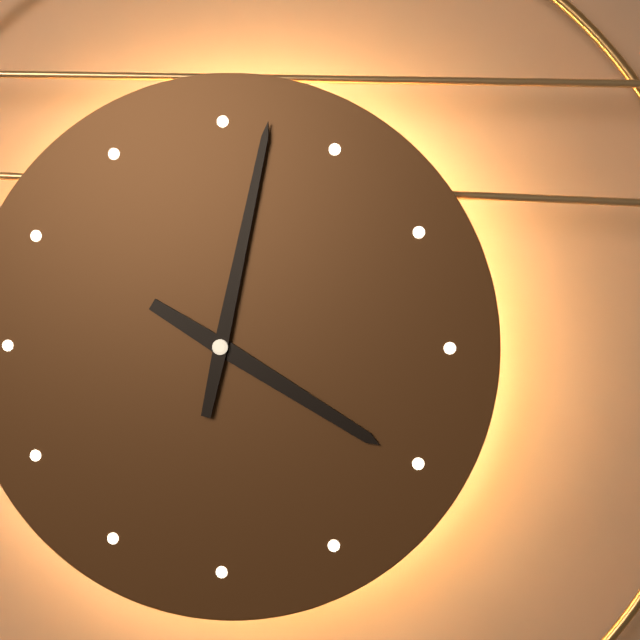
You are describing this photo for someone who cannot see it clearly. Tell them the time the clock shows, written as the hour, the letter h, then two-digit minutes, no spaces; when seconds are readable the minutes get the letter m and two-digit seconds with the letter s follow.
4h02
